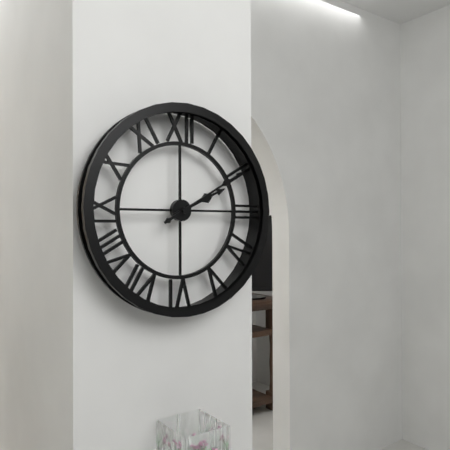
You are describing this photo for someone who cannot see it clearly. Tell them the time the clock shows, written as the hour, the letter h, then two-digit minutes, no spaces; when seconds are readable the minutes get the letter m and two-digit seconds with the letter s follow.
2h10
